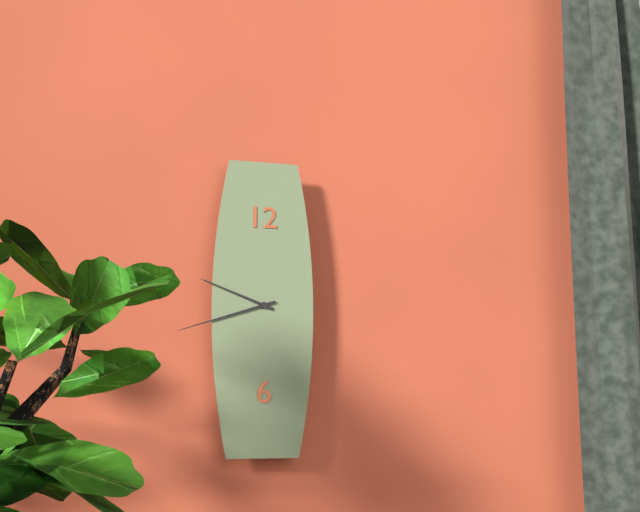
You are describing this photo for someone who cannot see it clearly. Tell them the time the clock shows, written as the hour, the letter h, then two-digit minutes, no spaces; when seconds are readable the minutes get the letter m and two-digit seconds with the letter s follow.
9h42
